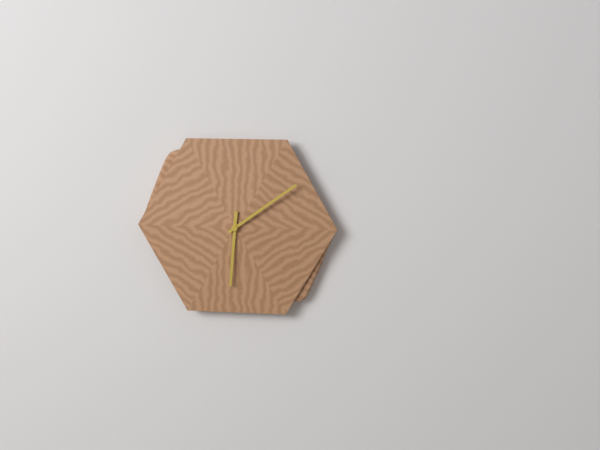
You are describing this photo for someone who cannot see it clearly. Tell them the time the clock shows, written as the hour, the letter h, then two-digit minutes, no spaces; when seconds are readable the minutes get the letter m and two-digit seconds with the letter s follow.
6h09
